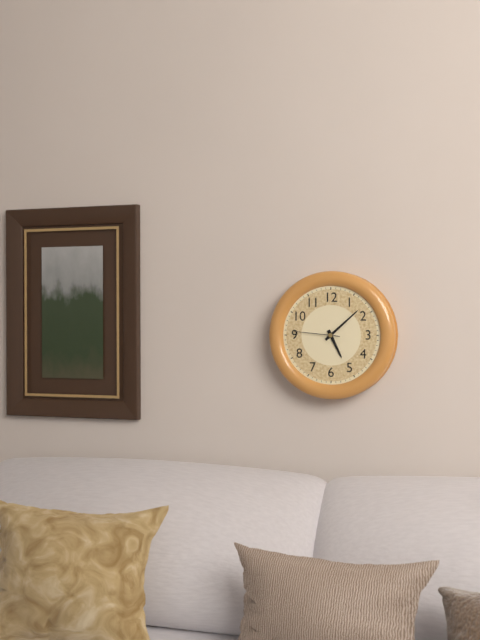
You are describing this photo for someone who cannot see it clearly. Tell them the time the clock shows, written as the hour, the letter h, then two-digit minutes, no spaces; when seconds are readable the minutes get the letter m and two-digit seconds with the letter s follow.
5h08
